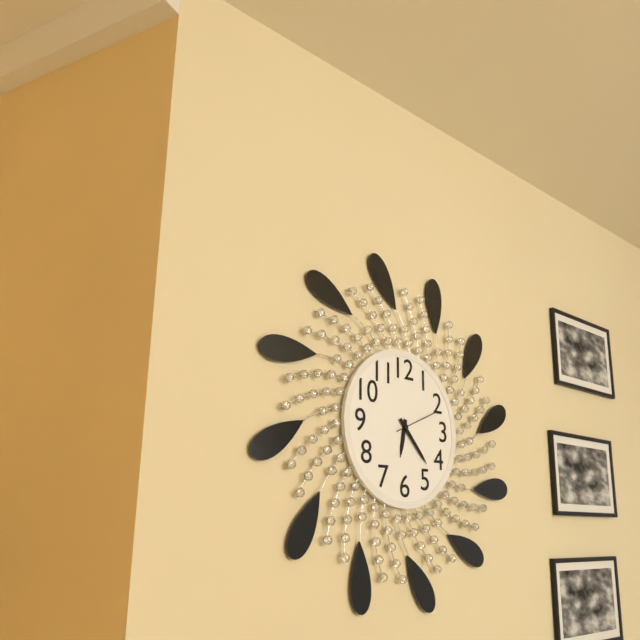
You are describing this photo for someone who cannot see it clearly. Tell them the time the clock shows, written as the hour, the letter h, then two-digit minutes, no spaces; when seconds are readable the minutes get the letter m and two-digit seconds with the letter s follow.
6h23
